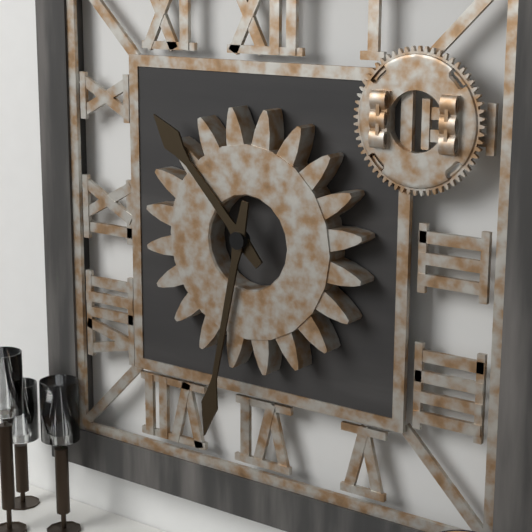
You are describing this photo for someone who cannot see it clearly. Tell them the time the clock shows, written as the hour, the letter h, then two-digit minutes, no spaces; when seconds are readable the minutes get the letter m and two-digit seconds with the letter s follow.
10h32
